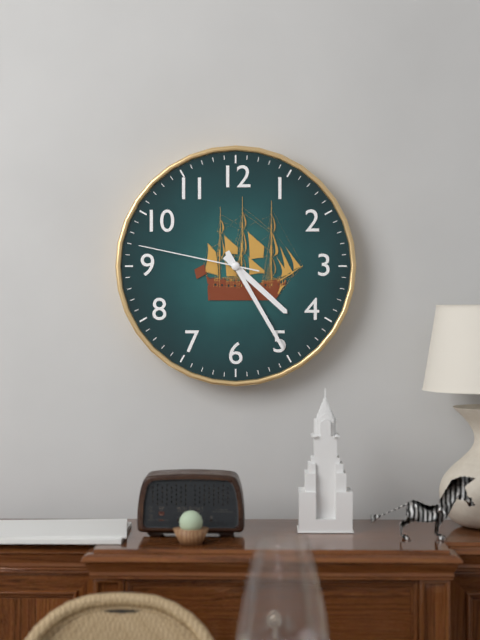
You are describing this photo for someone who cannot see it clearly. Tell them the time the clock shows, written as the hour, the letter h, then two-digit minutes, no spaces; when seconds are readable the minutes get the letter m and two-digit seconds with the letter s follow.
4h25m47s
